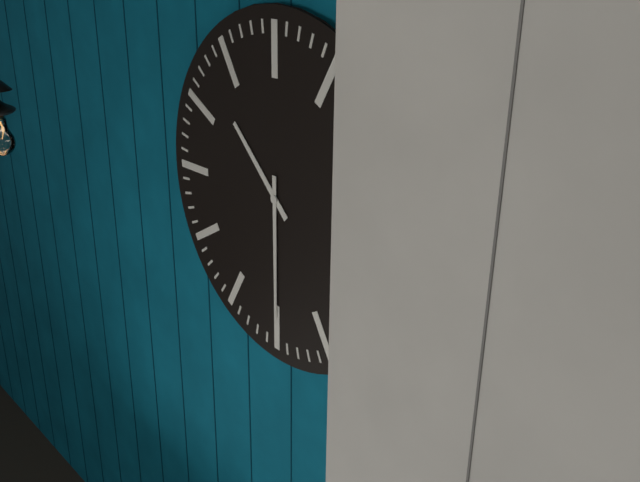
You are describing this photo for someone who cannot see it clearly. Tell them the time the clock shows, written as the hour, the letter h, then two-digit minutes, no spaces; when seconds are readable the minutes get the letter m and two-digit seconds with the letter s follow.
10h30
